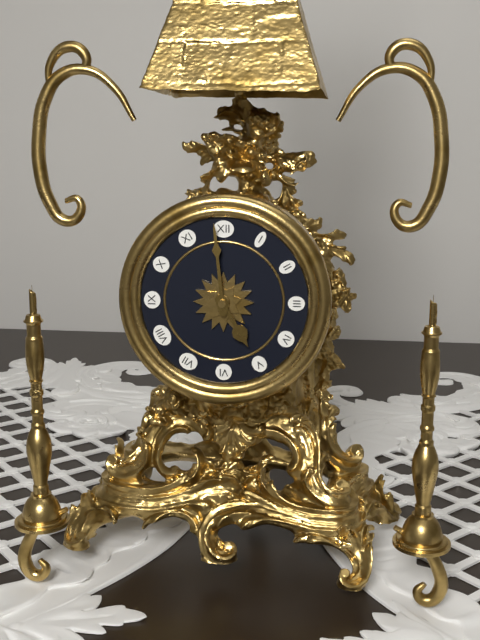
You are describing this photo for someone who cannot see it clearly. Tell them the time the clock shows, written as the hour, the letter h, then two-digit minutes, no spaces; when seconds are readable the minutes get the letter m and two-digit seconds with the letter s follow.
4h59
